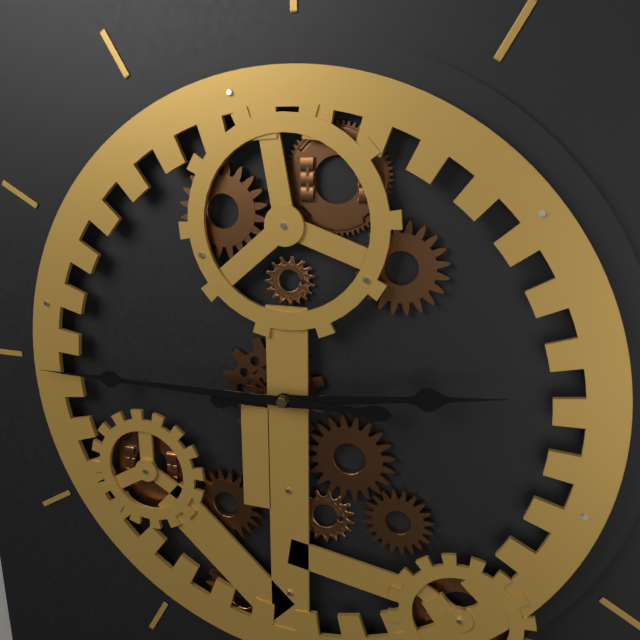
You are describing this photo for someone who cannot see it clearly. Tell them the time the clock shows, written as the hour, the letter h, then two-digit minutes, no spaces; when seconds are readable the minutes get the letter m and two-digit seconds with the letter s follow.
2h45
